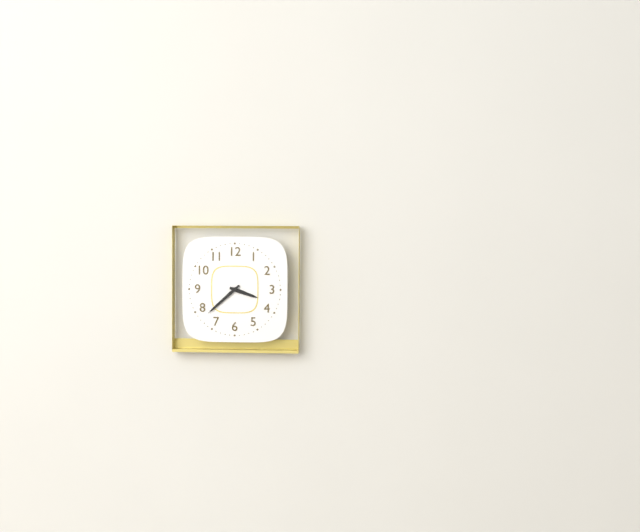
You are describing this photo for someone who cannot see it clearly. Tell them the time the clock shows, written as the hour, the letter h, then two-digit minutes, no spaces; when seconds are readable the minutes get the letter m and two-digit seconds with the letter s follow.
3h38
